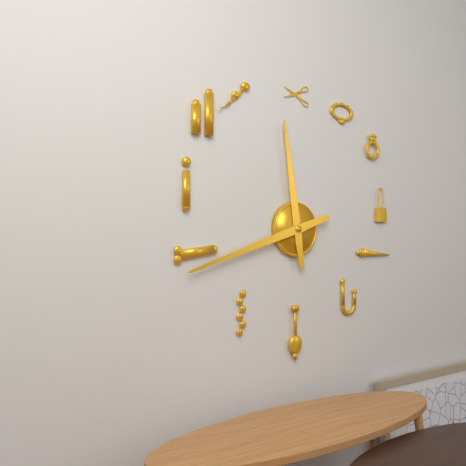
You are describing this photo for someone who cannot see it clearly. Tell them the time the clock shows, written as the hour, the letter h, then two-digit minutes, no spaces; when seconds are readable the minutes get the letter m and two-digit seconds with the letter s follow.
11h42
